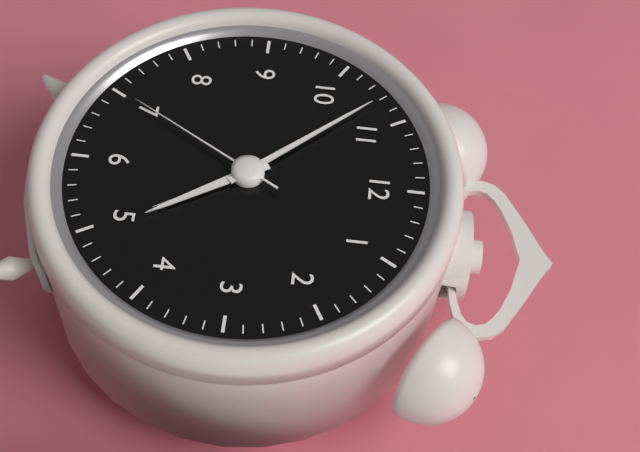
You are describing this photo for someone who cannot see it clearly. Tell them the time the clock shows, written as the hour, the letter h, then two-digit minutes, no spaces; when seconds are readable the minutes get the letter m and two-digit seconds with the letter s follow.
4h53m35s
